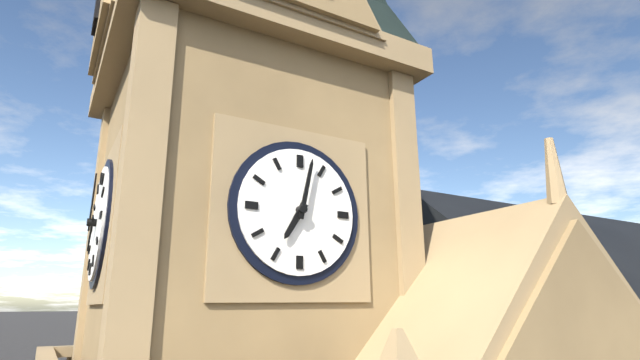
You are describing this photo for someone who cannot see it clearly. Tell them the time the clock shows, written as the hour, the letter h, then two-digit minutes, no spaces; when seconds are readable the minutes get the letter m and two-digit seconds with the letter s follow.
7h02
